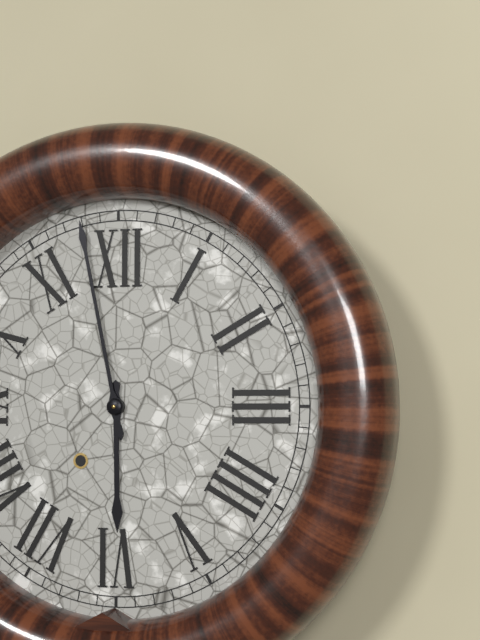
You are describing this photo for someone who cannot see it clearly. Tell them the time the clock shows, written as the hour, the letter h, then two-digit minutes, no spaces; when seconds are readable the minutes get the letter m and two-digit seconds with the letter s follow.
5h58
